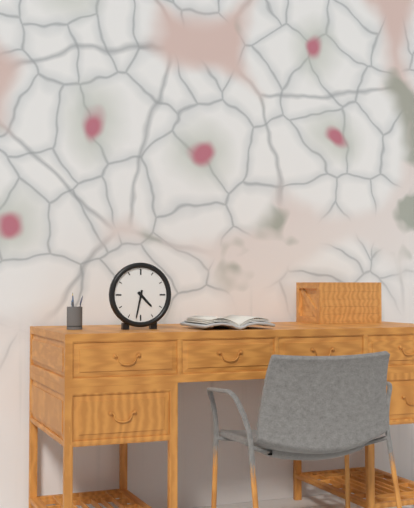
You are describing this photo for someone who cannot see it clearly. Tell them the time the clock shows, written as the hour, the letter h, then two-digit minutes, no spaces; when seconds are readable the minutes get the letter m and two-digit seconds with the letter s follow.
4h32
